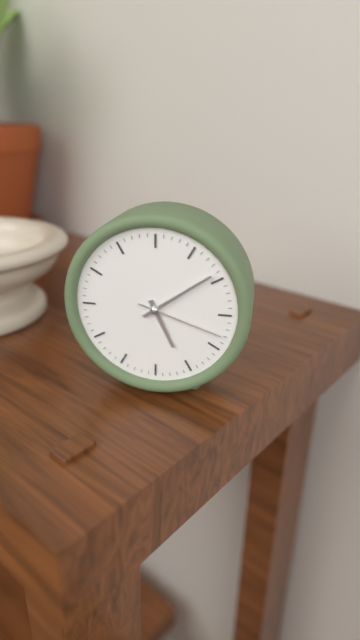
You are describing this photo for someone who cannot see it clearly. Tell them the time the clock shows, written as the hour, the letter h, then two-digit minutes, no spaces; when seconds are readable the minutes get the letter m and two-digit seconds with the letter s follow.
5h09m18s
